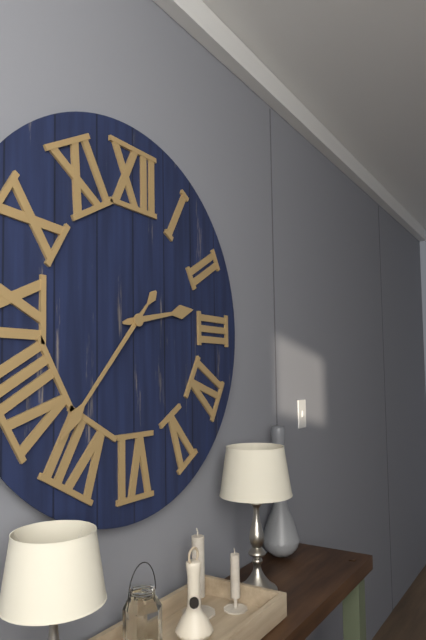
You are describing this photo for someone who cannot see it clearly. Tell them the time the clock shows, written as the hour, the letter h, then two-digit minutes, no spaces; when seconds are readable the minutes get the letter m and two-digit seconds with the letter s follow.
2h37
